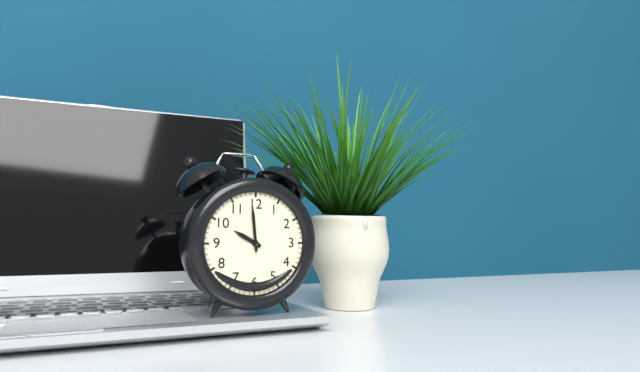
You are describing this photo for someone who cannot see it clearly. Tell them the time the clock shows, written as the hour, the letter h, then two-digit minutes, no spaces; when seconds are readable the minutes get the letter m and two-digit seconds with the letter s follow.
9h59
